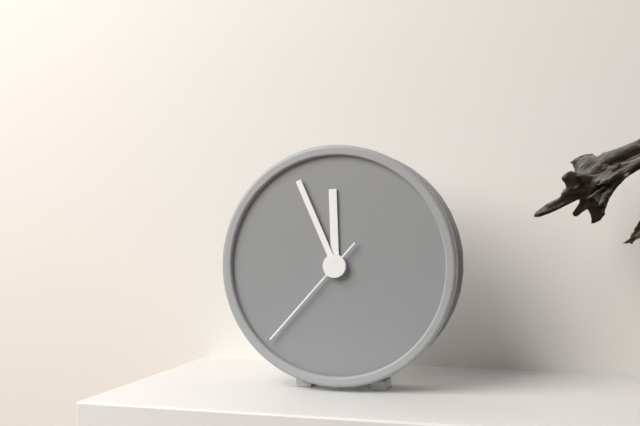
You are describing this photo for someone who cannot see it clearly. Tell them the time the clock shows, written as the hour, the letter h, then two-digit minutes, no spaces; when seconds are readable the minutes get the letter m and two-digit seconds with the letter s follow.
11h56m37s
